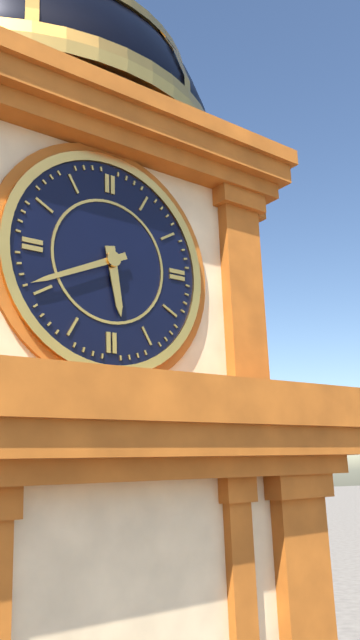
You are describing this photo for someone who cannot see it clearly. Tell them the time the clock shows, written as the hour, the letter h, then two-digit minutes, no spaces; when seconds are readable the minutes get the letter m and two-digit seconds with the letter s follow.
5h41
